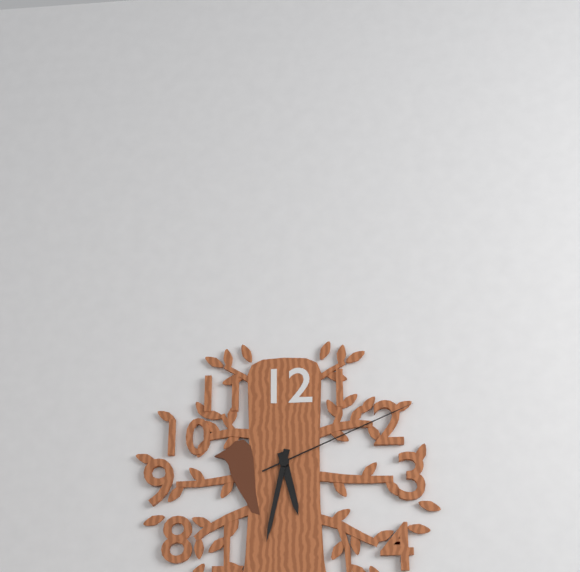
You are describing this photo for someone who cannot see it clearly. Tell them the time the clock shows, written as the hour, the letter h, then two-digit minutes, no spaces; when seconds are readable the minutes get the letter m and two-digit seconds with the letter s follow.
5h32m11s
